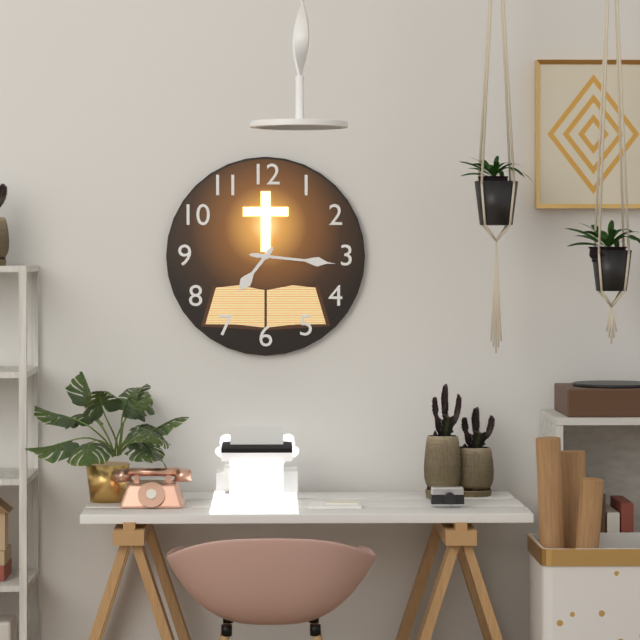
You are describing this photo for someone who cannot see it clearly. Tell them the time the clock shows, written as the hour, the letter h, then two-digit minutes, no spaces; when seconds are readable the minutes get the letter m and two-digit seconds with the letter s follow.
7h16
